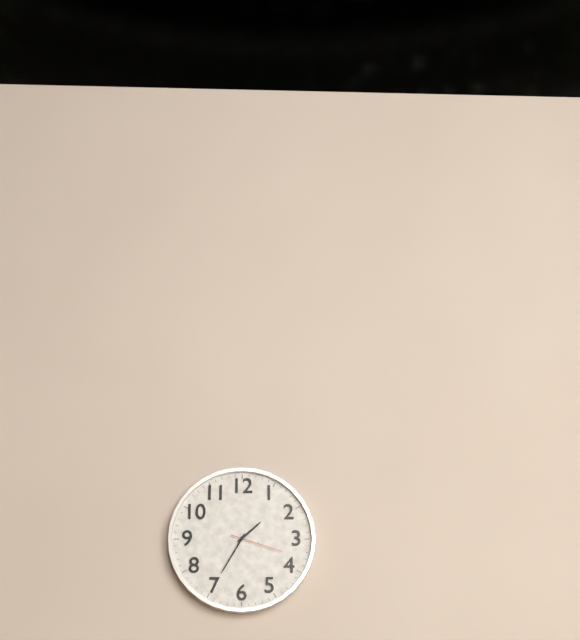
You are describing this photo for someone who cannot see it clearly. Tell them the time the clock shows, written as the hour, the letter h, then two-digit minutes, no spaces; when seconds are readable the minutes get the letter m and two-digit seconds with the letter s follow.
1h35m18s
